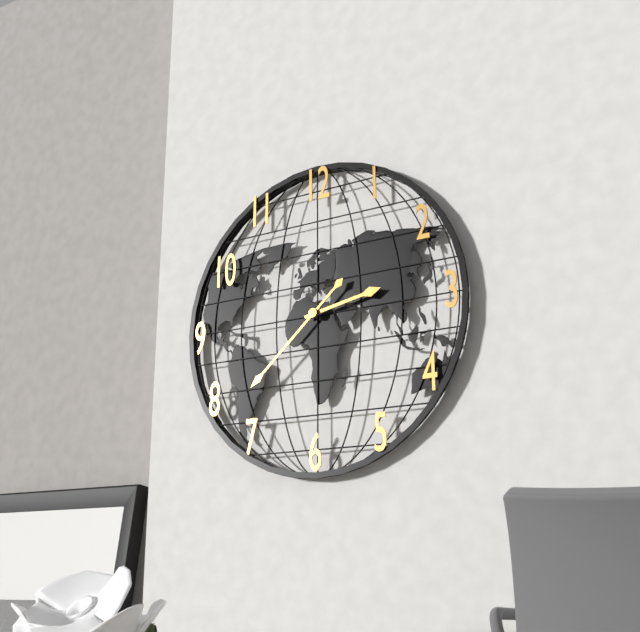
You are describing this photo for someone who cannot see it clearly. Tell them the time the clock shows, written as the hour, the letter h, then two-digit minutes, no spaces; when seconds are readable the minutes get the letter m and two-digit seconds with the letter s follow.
2h38
